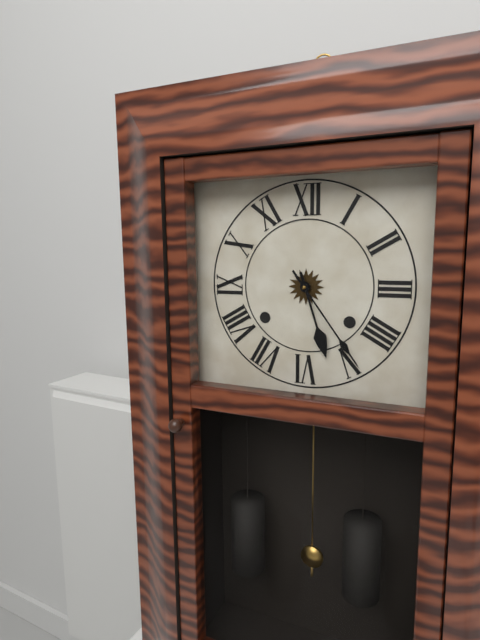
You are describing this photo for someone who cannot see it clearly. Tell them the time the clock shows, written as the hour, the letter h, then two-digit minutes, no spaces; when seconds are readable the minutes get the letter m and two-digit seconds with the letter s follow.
5h24
